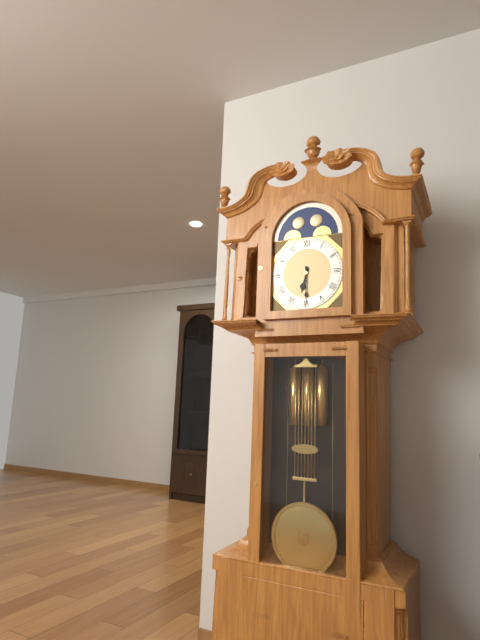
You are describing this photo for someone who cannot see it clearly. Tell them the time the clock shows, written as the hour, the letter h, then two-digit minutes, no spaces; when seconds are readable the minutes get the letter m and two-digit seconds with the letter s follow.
6h30
